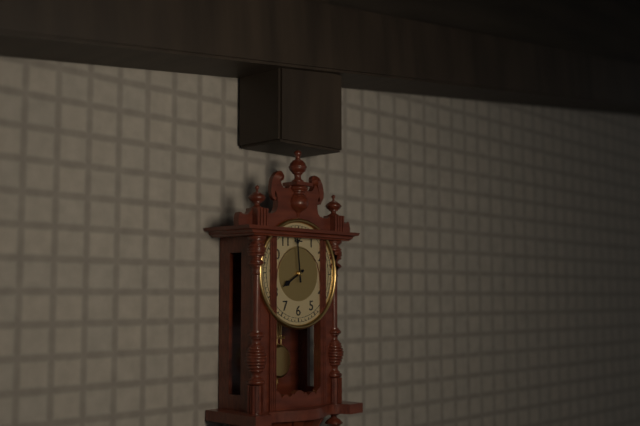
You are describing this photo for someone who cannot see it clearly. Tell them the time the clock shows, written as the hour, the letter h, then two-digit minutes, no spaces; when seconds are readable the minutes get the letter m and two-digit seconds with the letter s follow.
7h59
